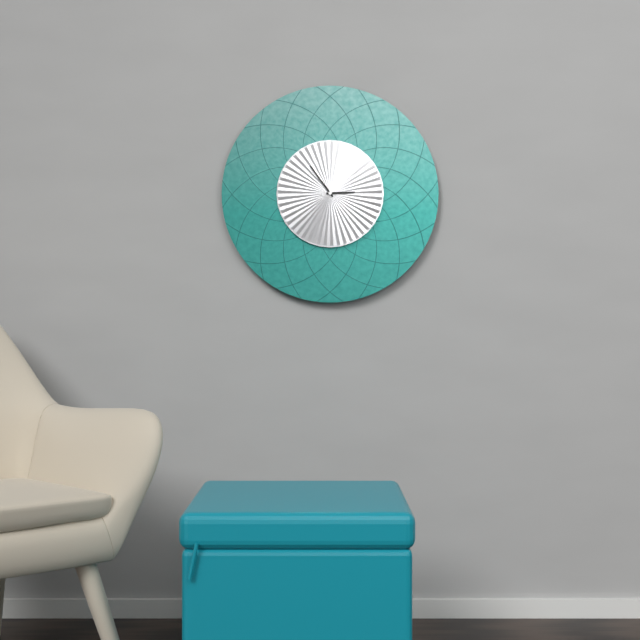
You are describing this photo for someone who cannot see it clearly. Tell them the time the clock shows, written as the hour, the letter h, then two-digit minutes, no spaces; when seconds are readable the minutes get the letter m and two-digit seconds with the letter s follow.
2h54
